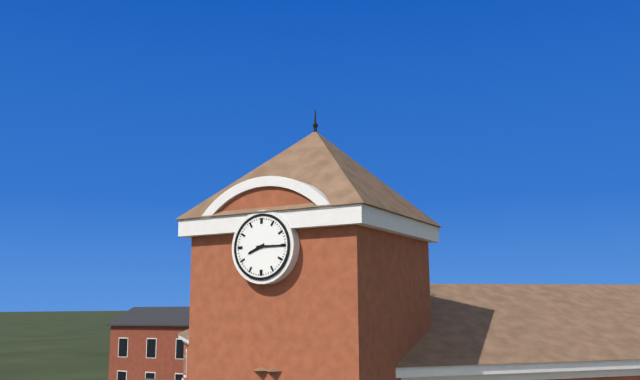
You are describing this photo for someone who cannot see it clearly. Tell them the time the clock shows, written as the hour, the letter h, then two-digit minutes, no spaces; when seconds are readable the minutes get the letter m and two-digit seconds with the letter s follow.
8h15
